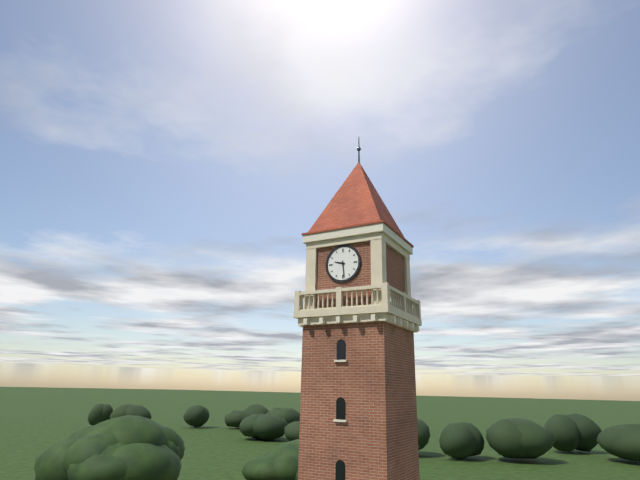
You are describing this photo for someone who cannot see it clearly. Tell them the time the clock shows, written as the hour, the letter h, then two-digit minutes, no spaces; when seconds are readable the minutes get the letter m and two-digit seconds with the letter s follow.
9h29
